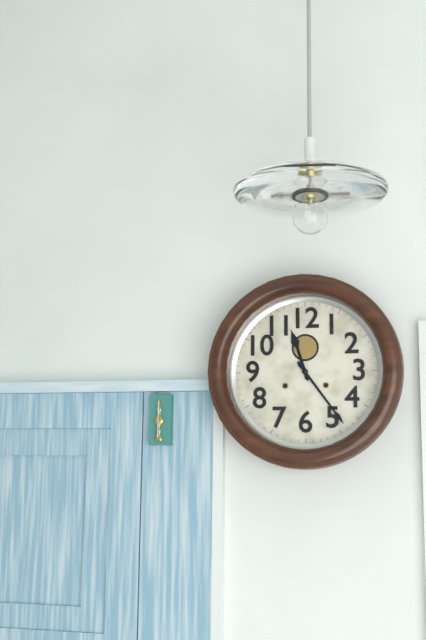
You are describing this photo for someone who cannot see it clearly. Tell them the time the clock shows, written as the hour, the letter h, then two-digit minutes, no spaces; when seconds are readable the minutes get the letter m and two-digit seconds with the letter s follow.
11h24
